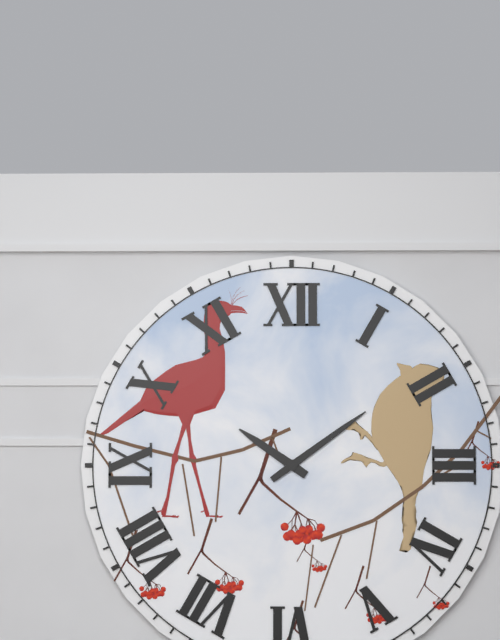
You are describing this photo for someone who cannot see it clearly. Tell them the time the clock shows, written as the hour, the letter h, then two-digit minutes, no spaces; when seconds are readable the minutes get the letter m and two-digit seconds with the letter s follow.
10h09
